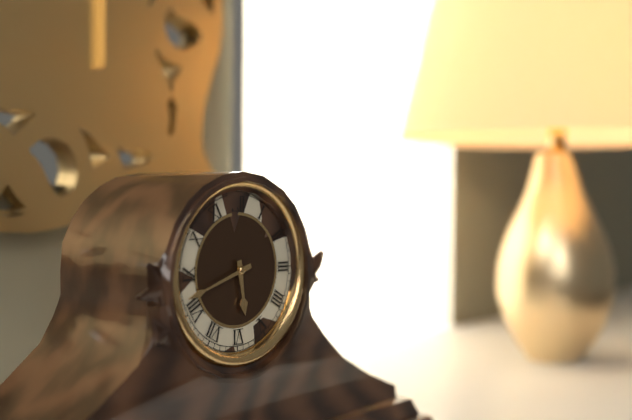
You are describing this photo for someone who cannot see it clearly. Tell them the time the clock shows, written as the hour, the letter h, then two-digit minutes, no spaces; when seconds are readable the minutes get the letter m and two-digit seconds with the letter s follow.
5h42
